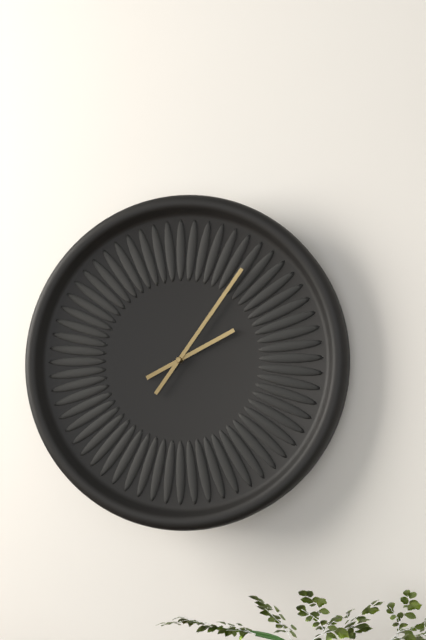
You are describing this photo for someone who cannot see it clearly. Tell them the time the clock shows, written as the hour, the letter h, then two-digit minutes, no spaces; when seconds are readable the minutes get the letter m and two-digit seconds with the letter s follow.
2h06
